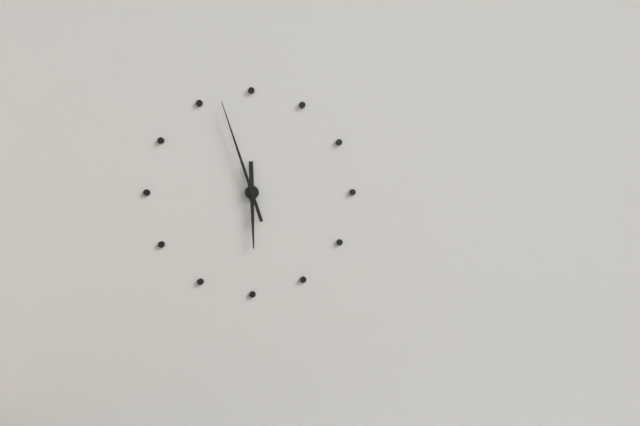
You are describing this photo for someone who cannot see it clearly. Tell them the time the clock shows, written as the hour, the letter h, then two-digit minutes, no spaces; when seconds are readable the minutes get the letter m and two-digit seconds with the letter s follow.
5h57
